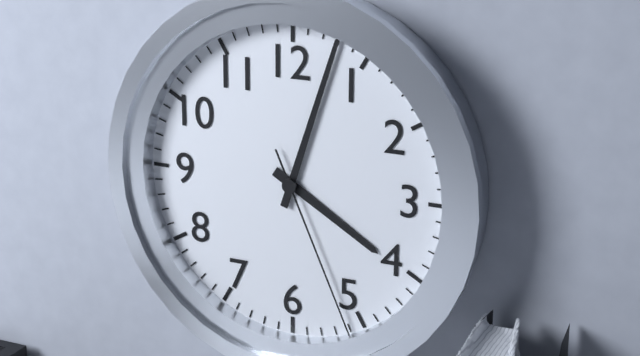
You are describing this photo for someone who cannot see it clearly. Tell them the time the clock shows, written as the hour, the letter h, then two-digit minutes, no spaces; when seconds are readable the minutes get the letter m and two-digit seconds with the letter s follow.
4h03m26s
